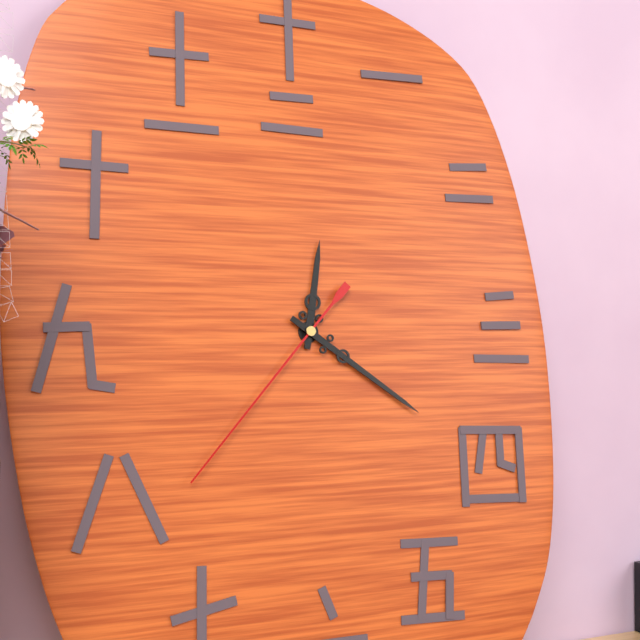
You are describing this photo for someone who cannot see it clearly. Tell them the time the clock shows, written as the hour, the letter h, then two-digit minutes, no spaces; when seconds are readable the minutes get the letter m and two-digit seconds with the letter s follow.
12h21m37s
